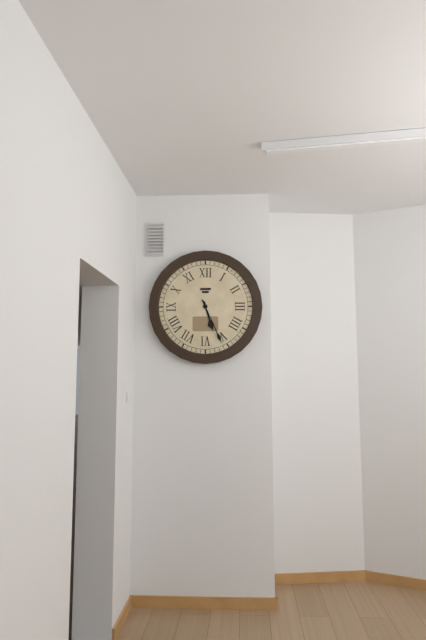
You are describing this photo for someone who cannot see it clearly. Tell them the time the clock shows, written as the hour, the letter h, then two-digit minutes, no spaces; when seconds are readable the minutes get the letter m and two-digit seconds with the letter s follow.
5h26
